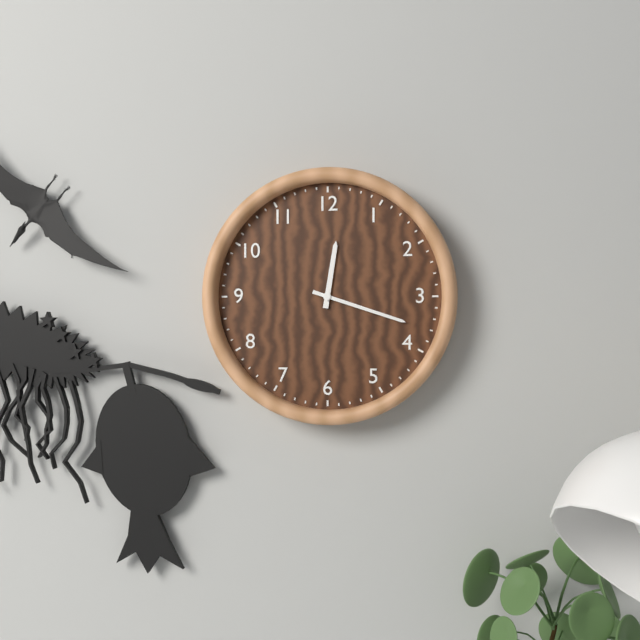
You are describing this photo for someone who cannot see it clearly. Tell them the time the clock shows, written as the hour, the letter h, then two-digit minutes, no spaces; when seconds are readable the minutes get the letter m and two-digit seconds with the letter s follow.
12h18
